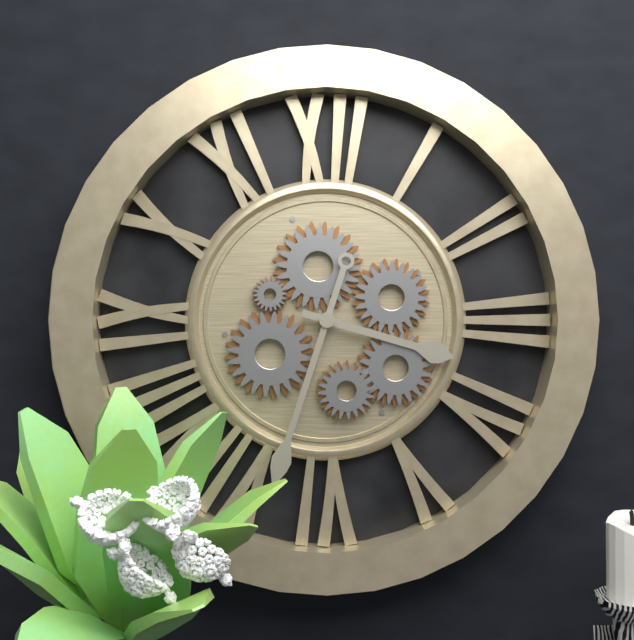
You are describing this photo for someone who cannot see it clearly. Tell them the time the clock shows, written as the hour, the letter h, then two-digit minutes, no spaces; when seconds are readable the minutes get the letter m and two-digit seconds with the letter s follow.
3h33
